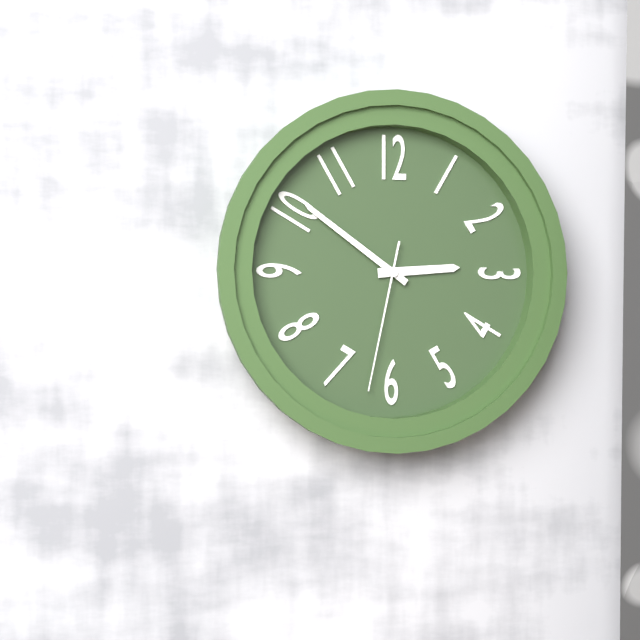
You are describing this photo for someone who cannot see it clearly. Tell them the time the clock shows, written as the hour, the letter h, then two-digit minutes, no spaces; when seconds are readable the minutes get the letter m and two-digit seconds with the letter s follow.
2h51m32s
